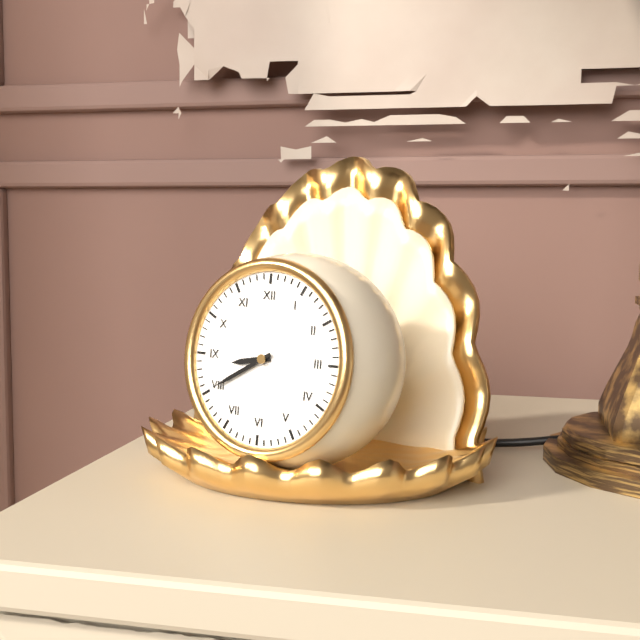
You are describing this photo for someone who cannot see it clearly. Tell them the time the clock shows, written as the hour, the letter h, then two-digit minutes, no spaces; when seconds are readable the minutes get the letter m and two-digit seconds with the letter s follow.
8h40
